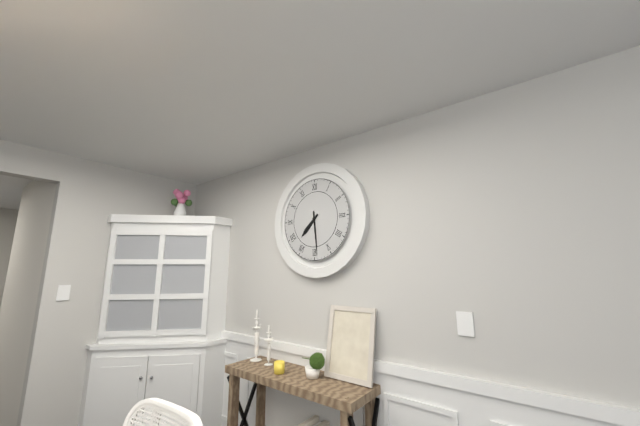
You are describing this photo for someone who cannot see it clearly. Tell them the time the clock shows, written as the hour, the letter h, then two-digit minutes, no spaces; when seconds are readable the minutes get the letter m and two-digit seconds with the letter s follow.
7h29
